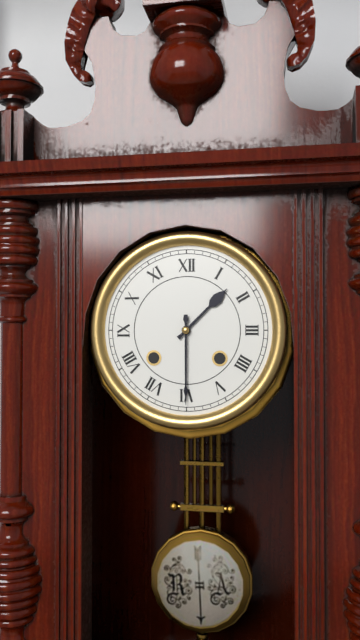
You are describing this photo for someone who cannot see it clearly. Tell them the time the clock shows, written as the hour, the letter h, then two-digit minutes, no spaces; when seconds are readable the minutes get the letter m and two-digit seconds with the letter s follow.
1h30
